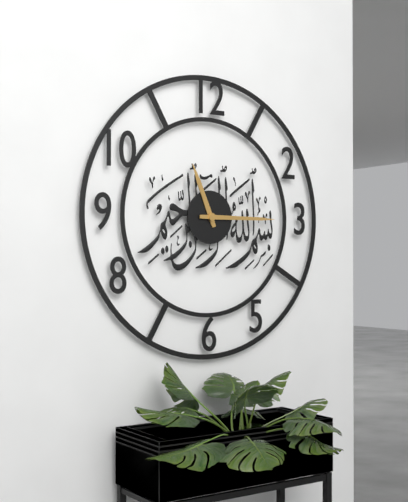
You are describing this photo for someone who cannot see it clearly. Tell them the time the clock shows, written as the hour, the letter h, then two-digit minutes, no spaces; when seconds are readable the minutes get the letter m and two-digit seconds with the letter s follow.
11h15
